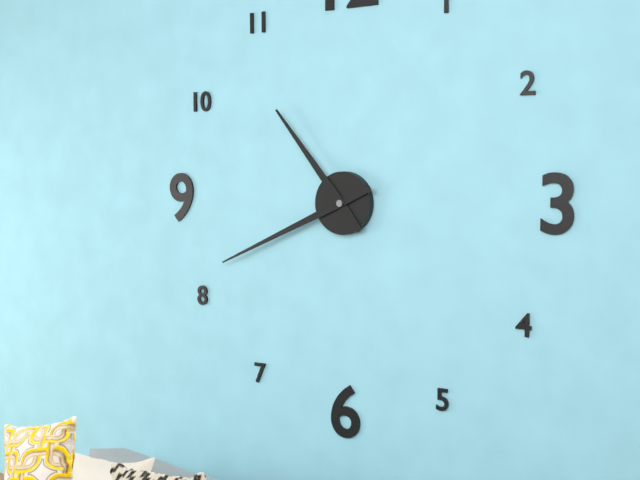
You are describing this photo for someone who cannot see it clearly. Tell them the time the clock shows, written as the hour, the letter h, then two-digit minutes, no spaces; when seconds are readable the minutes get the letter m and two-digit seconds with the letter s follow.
10h41
